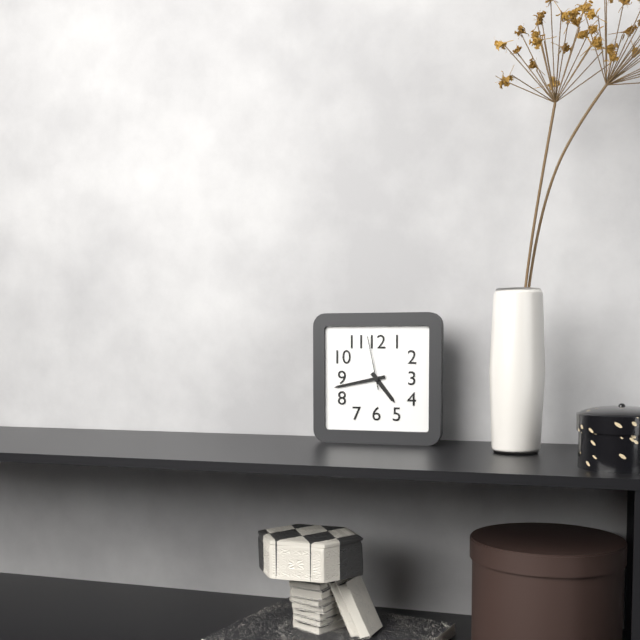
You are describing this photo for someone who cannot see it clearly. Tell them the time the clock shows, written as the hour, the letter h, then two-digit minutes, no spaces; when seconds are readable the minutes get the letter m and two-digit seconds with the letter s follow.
4h43m58s
